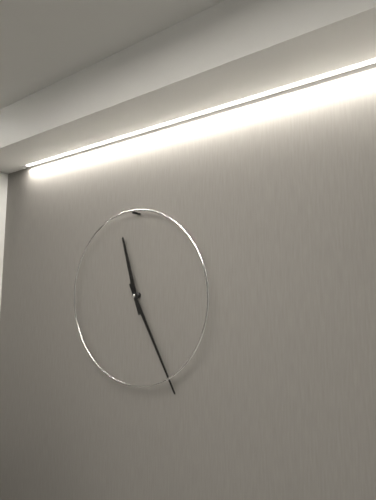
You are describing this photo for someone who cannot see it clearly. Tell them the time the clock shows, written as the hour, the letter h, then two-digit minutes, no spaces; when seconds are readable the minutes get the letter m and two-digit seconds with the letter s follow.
11h25
